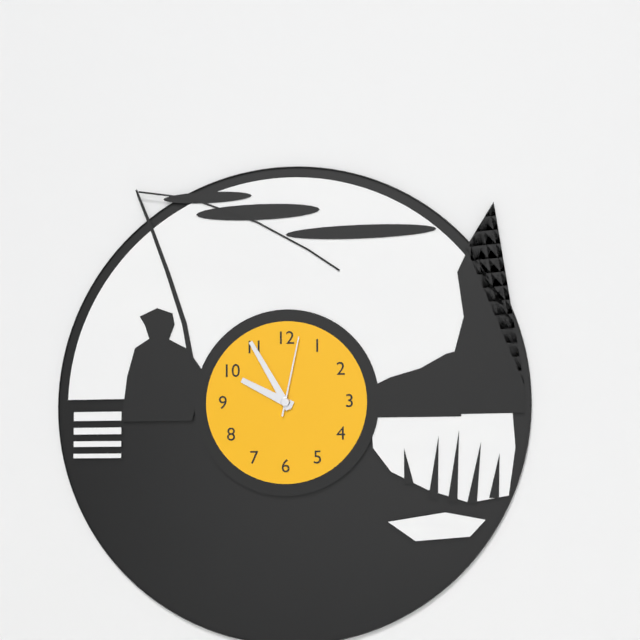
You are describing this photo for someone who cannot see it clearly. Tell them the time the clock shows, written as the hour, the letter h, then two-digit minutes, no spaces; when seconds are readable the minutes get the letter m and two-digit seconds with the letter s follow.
9h55m02s
